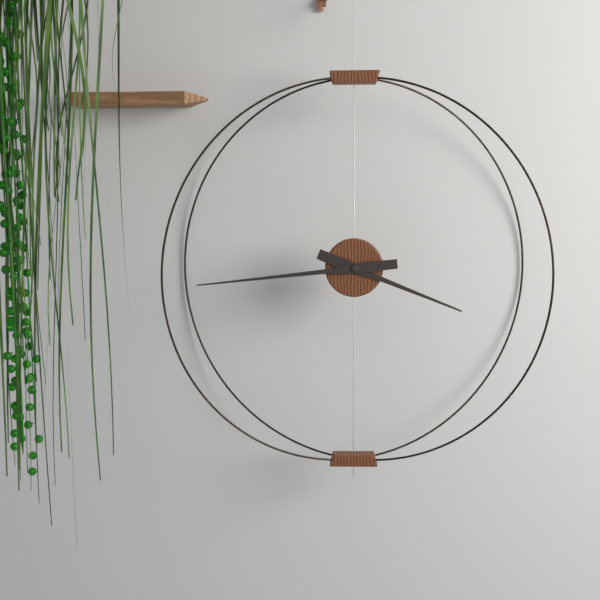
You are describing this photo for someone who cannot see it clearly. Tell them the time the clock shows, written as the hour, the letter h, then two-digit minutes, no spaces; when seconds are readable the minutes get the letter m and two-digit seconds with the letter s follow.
3h44
